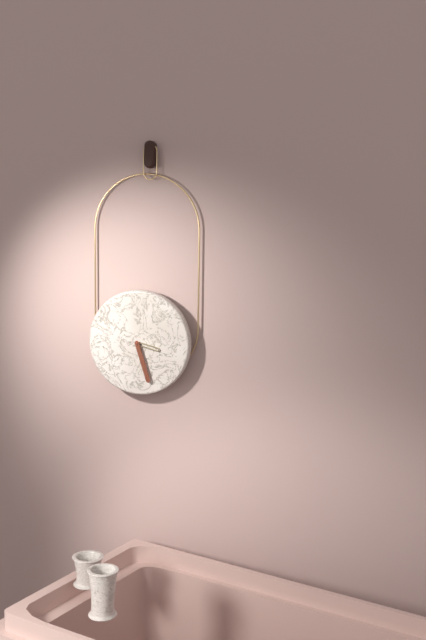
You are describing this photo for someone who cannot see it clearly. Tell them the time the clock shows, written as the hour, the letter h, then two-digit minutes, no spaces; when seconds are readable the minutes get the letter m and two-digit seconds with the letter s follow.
3h27
